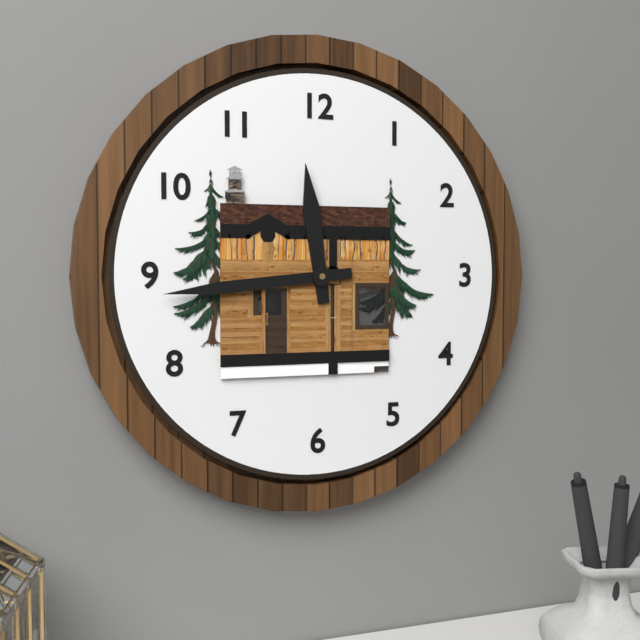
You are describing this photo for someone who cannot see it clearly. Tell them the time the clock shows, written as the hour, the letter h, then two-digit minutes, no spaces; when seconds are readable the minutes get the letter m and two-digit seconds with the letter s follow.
11h44
